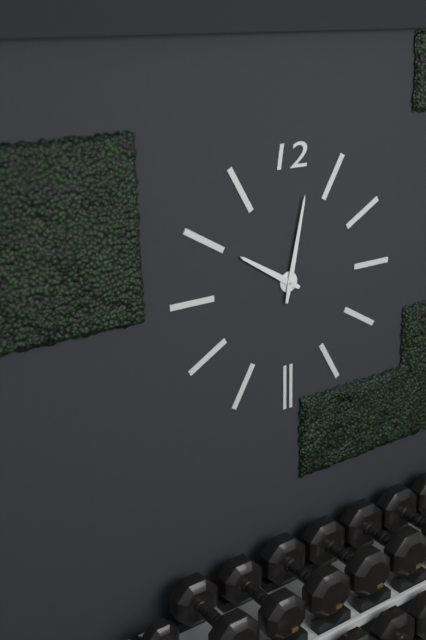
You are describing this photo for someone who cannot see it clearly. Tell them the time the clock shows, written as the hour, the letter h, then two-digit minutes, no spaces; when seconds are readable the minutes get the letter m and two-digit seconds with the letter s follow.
10h02
